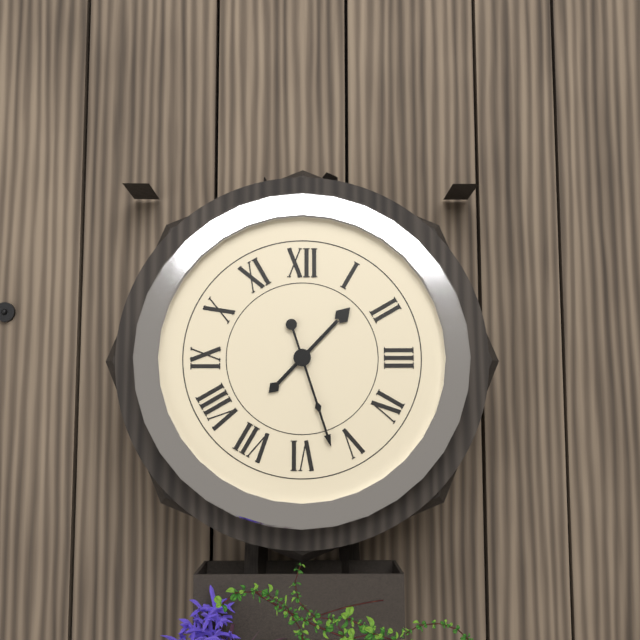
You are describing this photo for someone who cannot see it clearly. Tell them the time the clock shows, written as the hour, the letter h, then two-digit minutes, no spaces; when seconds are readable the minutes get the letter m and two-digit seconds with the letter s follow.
1h27
